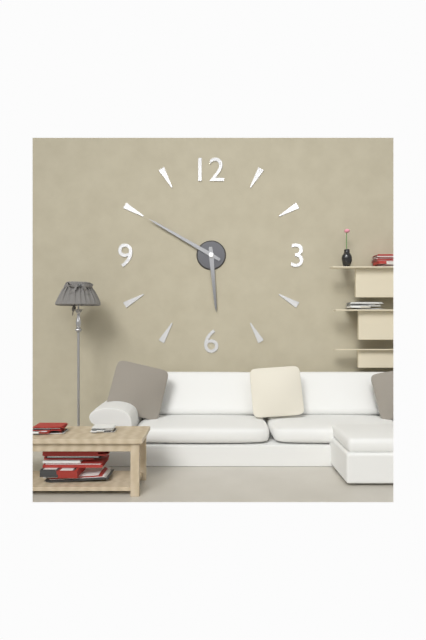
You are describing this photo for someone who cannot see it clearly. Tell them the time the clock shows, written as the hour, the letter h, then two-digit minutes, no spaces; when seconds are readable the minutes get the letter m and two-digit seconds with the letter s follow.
5h50
